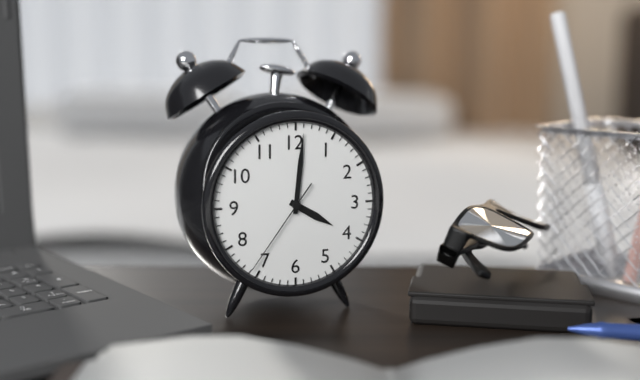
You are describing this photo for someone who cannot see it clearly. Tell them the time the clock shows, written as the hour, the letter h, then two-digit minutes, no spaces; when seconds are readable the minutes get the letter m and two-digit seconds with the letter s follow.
4h01m36s
